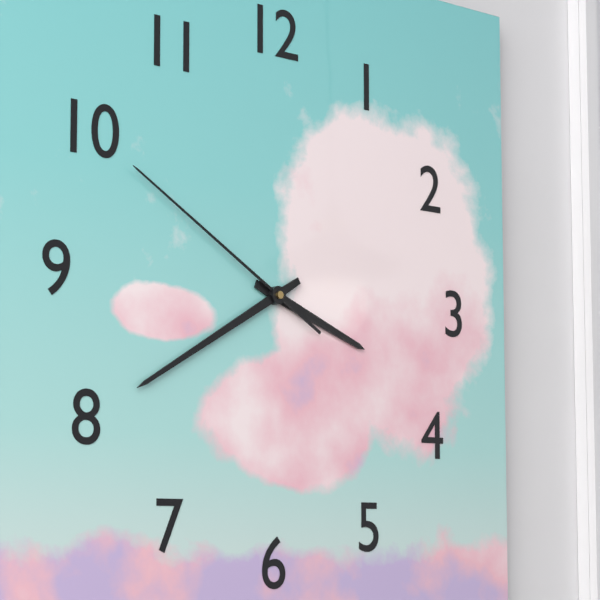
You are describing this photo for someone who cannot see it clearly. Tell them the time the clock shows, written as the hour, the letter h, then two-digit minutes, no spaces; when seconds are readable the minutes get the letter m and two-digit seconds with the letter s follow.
3h40m50s
